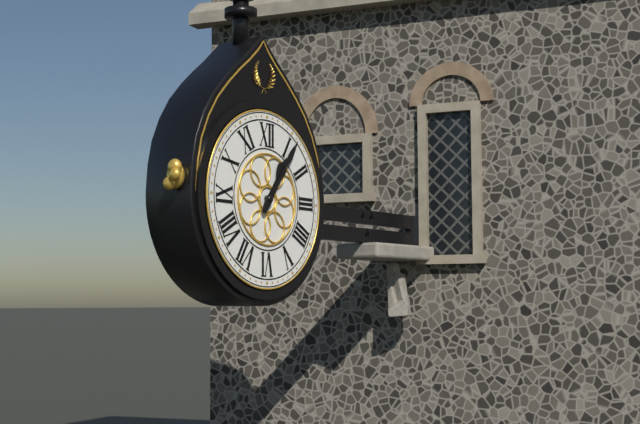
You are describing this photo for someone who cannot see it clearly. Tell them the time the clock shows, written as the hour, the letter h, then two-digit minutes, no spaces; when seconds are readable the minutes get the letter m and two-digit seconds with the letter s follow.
1h06
